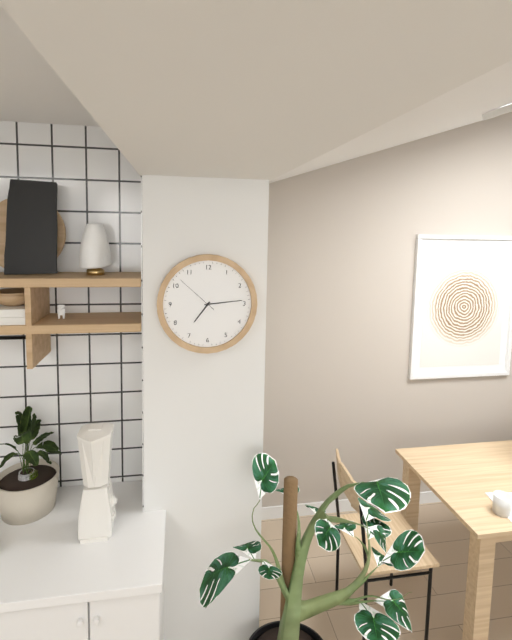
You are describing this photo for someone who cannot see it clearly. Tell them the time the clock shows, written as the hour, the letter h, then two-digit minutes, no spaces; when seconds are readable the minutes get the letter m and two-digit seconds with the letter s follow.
7h14
